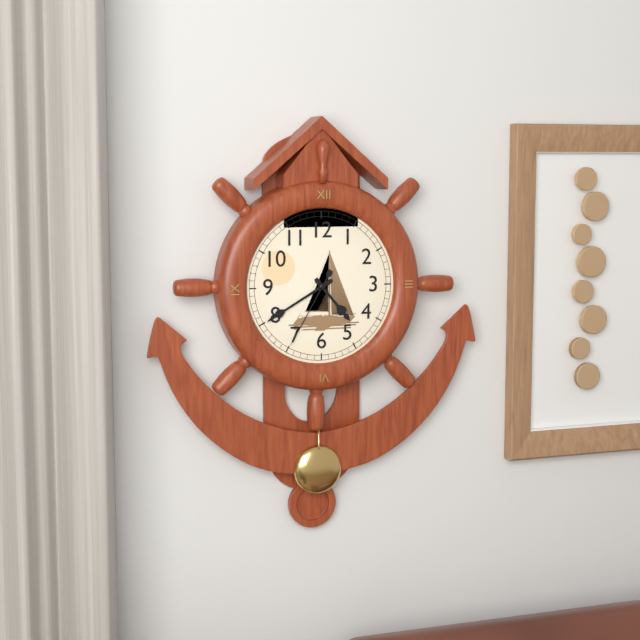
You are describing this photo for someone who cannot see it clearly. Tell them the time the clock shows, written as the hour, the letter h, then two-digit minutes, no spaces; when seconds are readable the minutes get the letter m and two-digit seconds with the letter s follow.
4h40m35s
